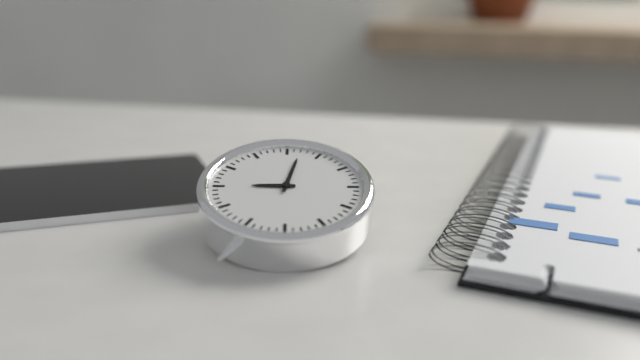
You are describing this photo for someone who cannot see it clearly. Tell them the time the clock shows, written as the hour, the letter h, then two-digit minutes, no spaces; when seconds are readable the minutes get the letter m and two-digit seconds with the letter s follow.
9h02
